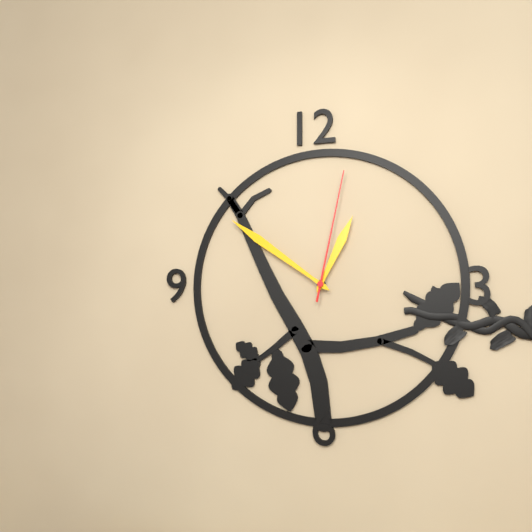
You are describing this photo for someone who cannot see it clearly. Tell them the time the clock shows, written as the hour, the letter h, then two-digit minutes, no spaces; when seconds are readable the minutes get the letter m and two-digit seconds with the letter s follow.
12h51m02s
